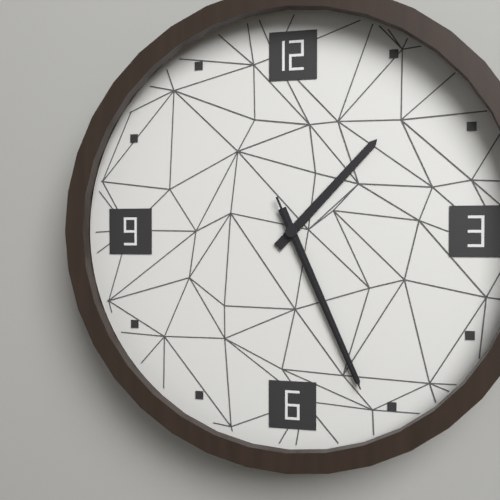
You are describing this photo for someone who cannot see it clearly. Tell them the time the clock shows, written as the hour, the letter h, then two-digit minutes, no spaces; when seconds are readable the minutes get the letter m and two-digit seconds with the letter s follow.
1h26m26s
